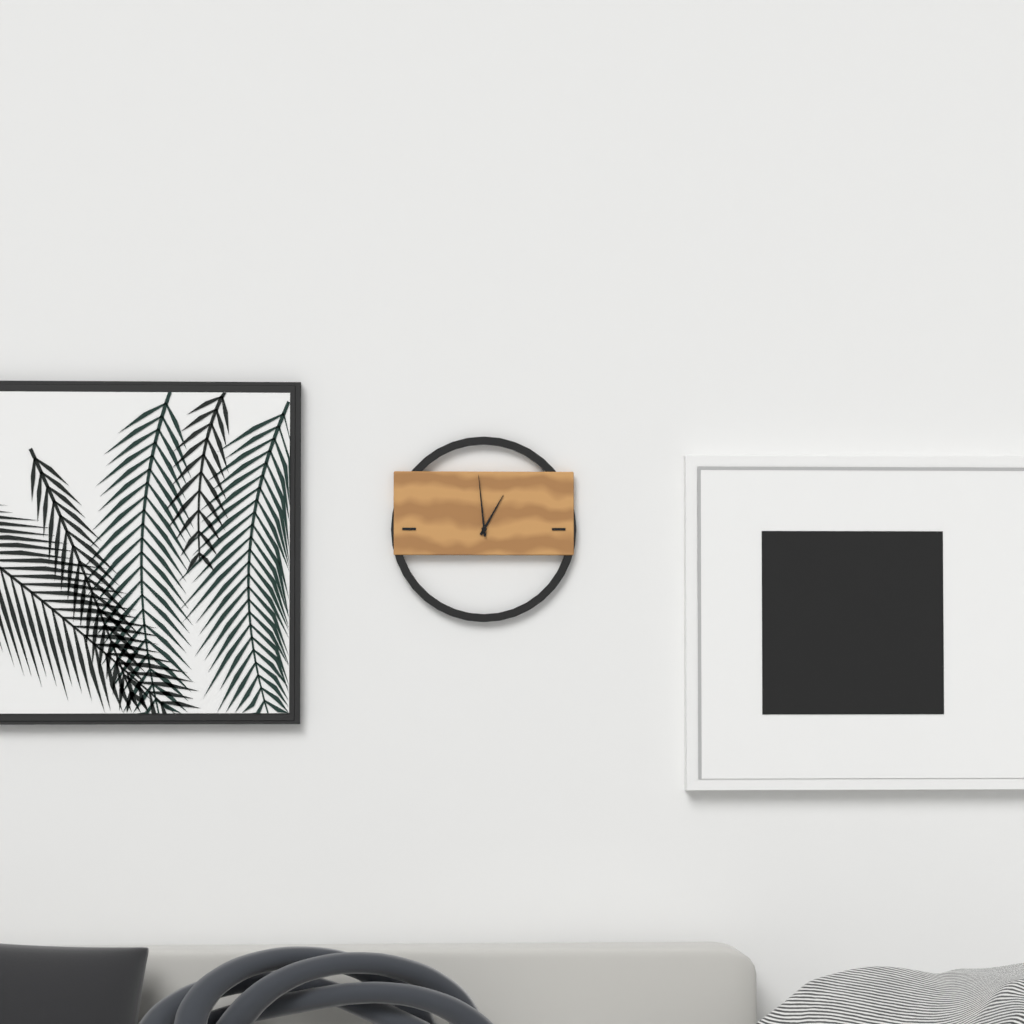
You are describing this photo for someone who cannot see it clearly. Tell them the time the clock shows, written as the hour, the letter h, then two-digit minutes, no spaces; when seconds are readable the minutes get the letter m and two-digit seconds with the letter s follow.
12h59
